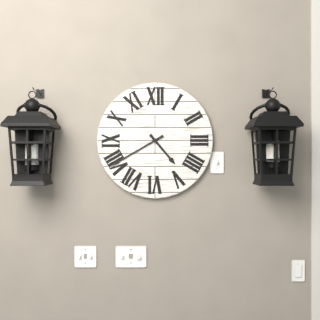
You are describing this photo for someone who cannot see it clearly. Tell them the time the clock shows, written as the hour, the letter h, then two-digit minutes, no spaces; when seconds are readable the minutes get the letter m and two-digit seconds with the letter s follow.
4h40
